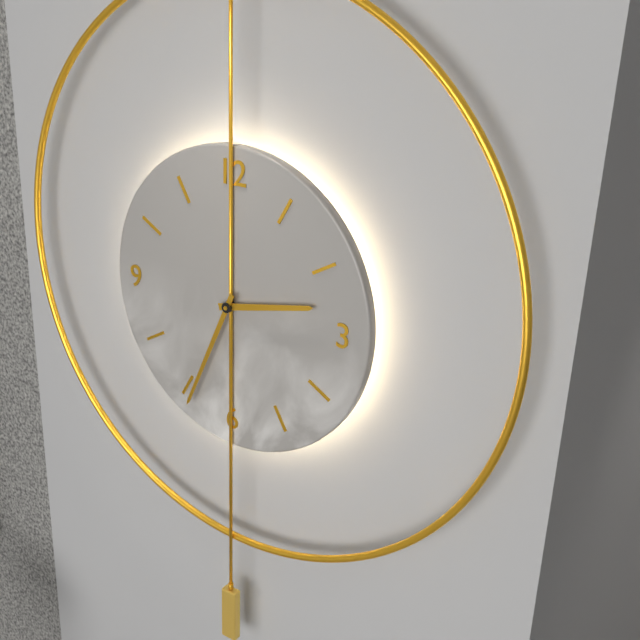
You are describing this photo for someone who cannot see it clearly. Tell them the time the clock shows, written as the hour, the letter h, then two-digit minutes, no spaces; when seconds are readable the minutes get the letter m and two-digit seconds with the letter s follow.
2h34
